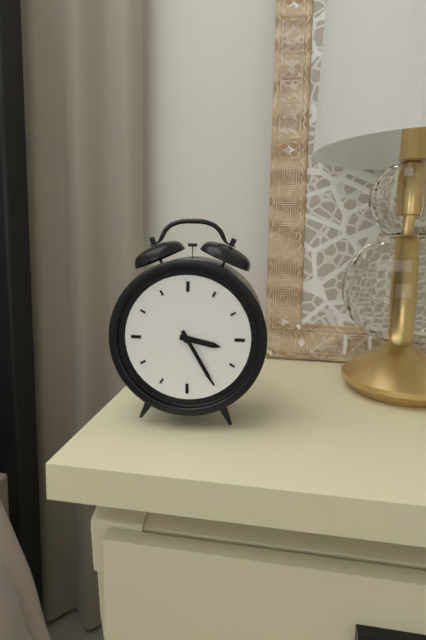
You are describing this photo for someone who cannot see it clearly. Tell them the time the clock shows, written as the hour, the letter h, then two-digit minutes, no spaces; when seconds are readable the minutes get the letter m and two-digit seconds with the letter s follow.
3h25
